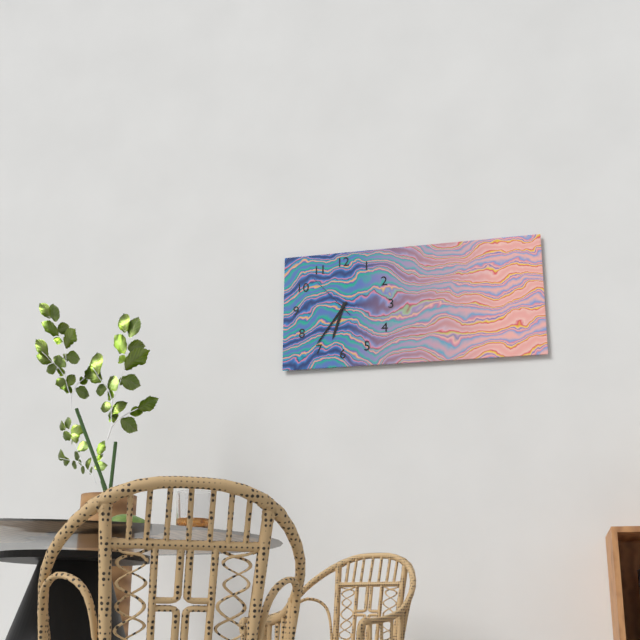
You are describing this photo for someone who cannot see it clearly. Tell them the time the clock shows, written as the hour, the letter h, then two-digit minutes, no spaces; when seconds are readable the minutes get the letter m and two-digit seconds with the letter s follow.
6h36m53s
